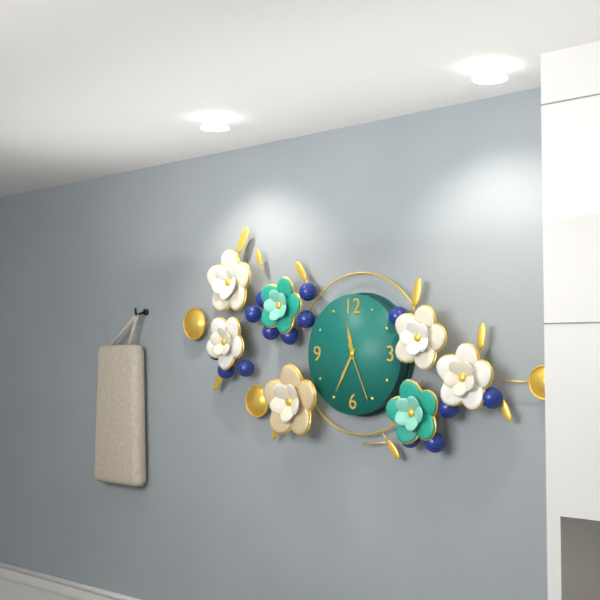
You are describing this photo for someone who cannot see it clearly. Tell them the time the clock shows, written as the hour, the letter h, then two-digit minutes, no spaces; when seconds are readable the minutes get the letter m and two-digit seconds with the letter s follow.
11h35m26s
